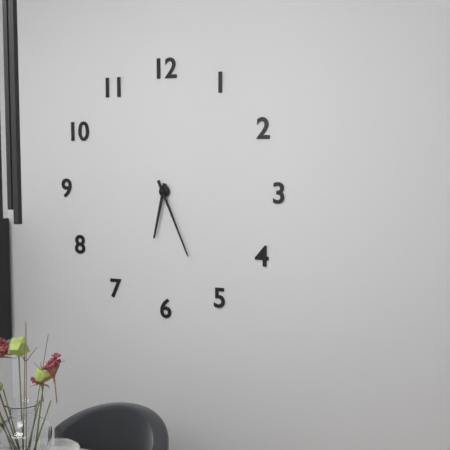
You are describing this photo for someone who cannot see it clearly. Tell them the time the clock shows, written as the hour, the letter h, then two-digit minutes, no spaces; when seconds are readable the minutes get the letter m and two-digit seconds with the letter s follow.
6h26
